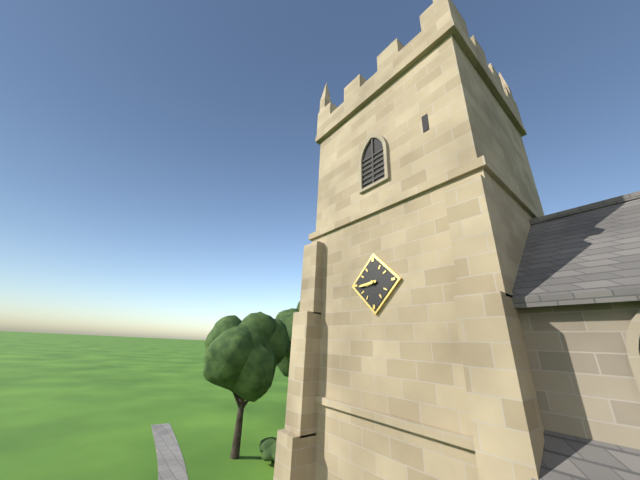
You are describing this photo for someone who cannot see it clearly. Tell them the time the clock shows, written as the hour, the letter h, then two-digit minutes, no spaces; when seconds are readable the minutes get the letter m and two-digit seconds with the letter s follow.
8h44
